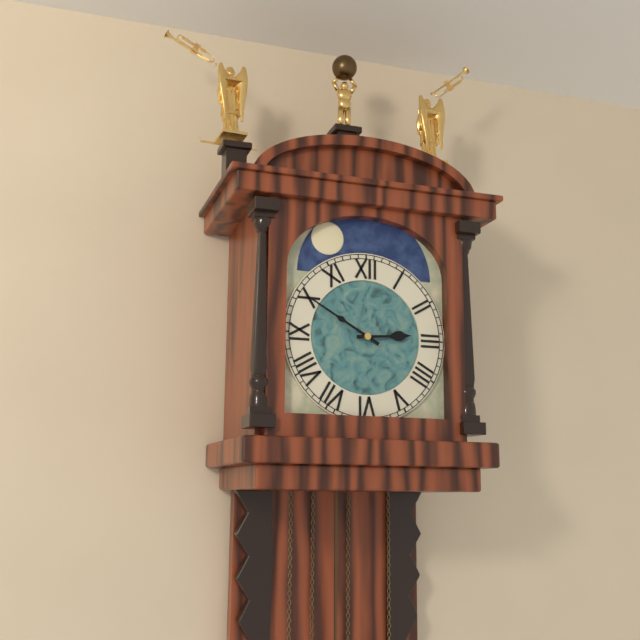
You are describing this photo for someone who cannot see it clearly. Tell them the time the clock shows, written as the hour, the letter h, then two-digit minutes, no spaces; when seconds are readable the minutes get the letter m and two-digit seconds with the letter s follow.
2h50
